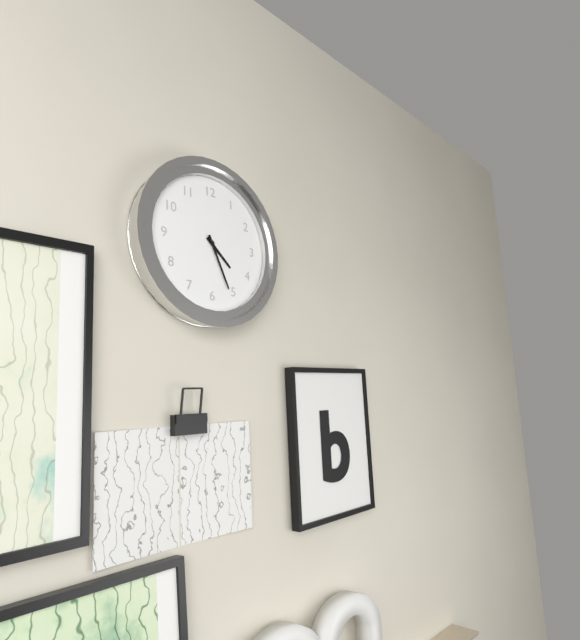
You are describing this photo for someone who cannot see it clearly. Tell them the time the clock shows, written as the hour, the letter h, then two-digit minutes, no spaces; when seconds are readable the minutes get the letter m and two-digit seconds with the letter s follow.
4h26
